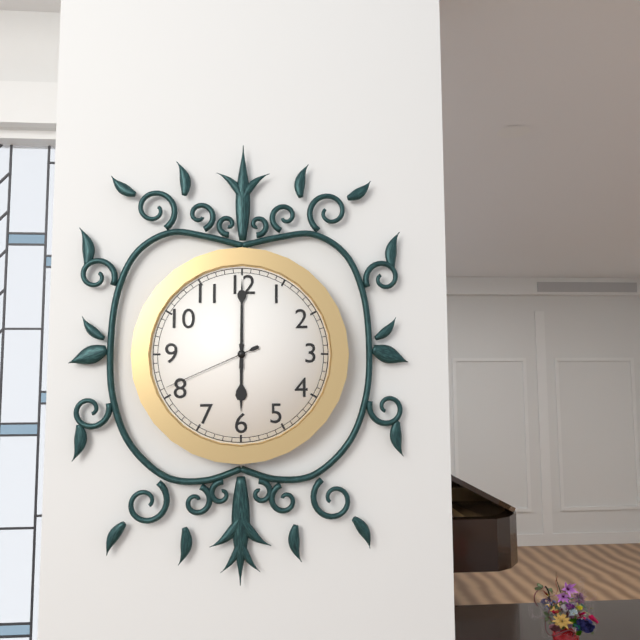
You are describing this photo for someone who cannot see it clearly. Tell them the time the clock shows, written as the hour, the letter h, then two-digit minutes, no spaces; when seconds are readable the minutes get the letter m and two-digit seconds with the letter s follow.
6h00m41s
